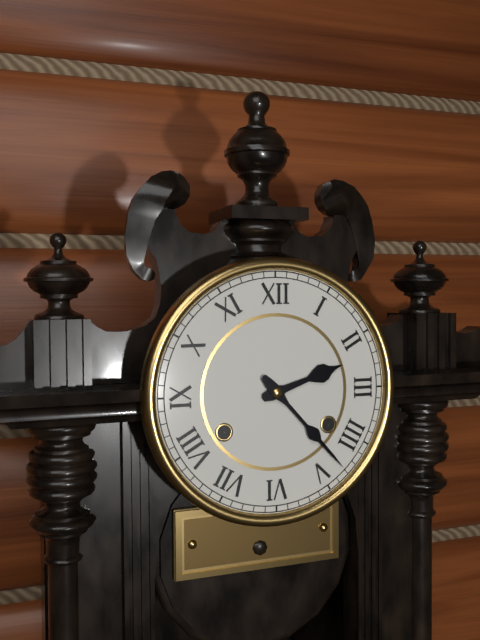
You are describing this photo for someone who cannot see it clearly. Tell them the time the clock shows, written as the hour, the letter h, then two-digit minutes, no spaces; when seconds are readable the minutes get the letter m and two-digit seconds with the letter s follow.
2h23
